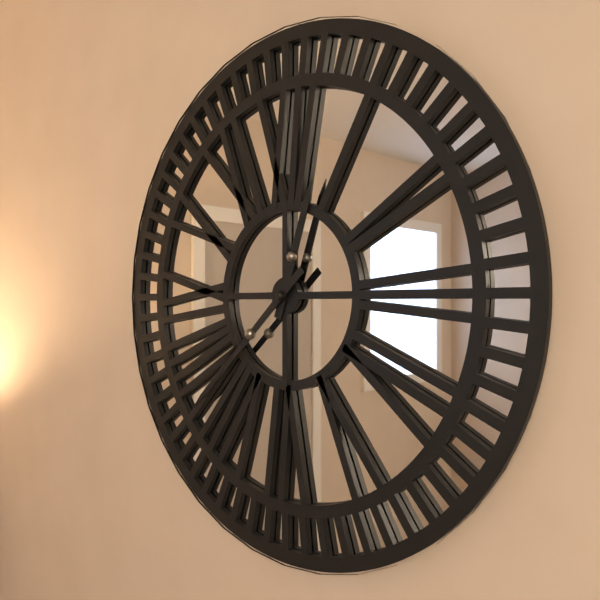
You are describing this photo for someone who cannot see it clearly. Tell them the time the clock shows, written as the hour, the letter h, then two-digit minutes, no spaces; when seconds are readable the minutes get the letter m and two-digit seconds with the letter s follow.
12h38
